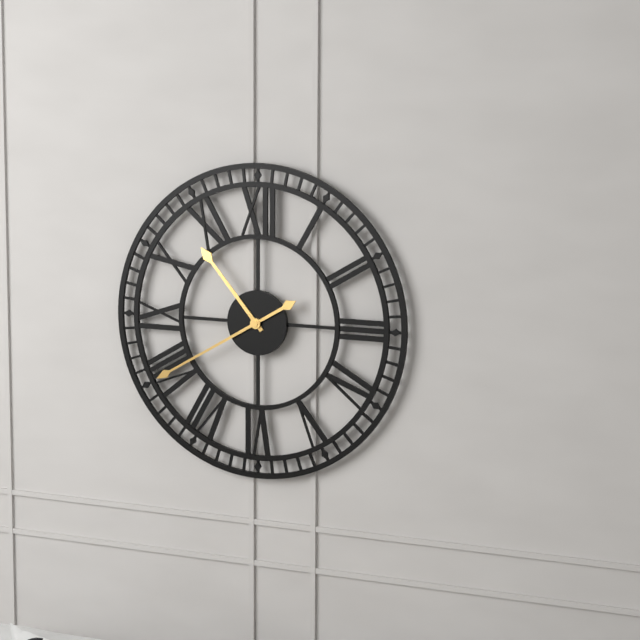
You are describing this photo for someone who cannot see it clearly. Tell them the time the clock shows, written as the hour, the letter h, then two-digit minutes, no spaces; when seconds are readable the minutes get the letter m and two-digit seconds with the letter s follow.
10h40
